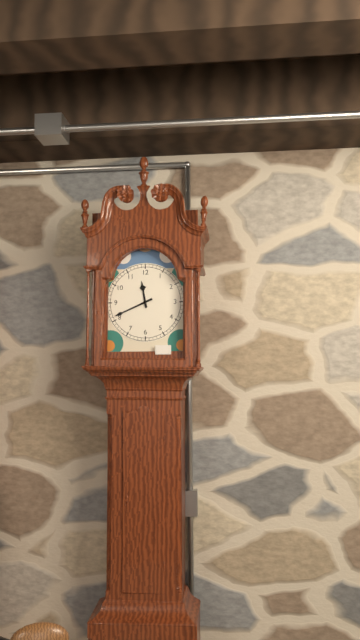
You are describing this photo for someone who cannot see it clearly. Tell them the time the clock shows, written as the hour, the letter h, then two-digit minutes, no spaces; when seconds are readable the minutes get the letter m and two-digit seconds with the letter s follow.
11h41
